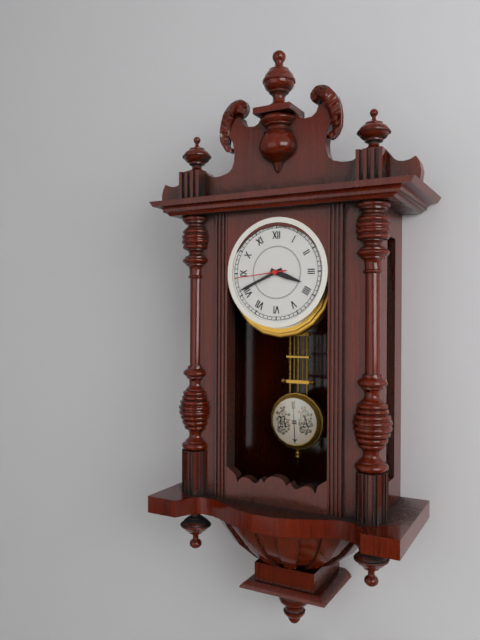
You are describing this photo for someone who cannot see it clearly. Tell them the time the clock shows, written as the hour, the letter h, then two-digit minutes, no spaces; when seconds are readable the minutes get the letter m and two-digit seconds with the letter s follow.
3h41m44s
